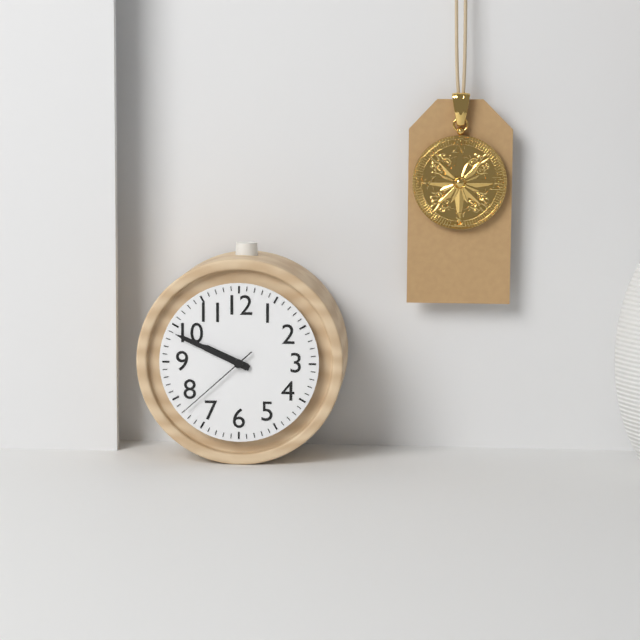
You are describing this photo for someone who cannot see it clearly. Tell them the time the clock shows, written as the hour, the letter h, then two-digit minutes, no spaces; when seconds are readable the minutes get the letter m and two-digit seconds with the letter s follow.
9h49m38s
